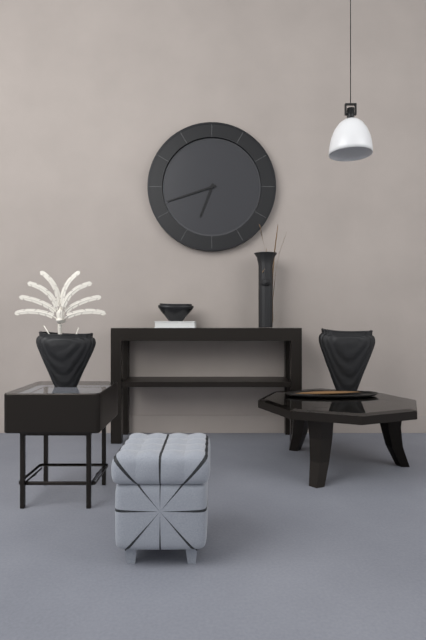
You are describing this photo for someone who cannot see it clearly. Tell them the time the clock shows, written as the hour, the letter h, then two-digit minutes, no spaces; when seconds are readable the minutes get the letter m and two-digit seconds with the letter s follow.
6h42
